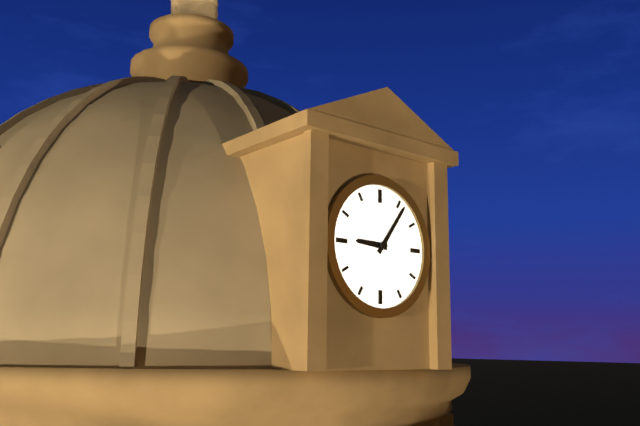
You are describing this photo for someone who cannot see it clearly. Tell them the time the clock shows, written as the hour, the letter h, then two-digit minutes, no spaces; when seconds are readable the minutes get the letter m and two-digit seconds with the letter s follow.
9h06
